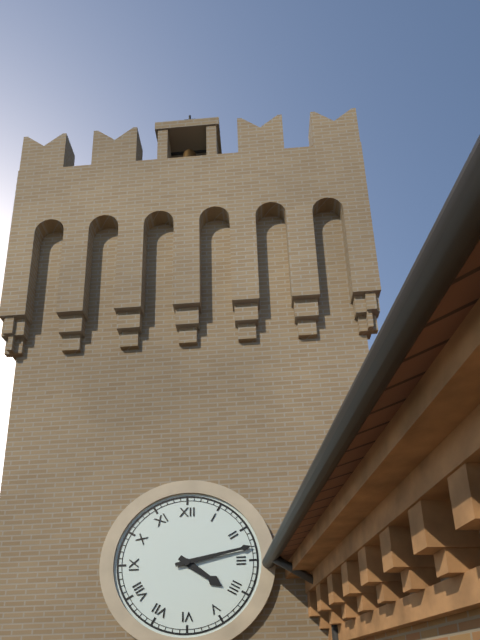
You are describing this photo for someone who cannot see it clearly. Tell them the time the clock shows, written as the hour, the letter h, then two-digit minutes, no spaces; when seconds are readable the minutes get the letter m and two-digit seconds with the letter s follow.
4h13
